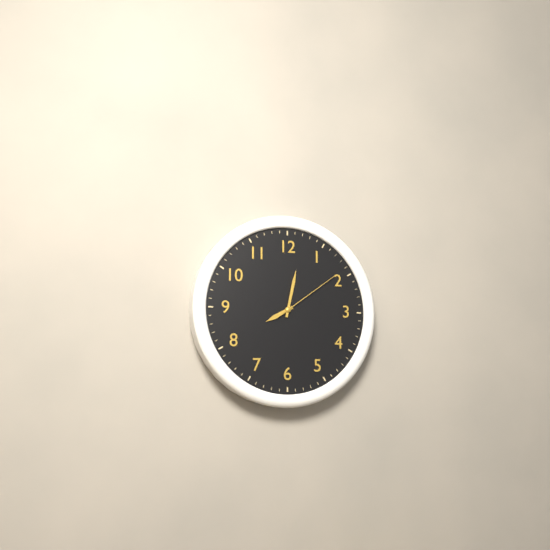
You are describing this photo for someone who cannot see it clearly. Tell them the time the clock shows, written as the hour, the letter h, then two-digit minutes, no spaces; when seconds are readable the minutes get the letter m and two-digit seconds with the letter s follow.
8h02m09s
